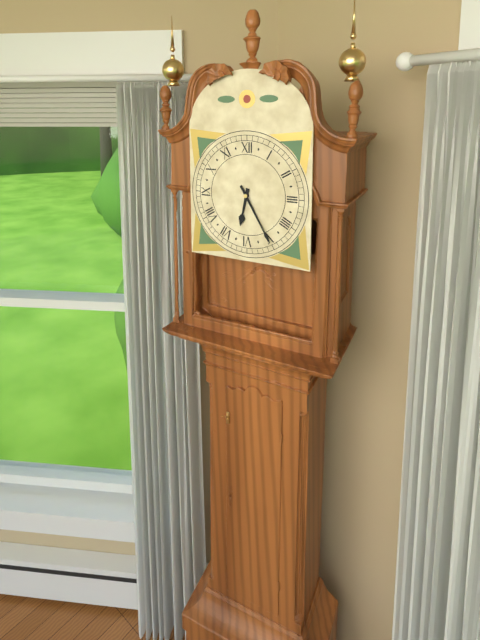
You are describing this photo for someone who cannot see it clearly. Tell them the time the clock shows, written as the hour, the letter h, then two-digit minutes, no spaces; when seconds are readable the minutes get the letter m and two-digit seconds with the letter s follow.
6h25
